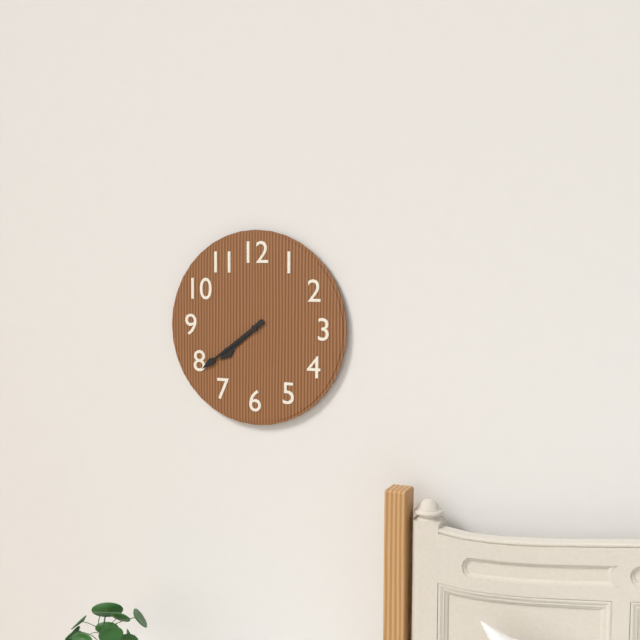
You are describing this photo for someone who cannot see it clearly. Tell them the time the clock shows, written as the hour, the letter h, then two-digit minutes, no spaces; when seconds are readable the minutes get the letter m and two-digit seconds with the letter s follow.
7h39
